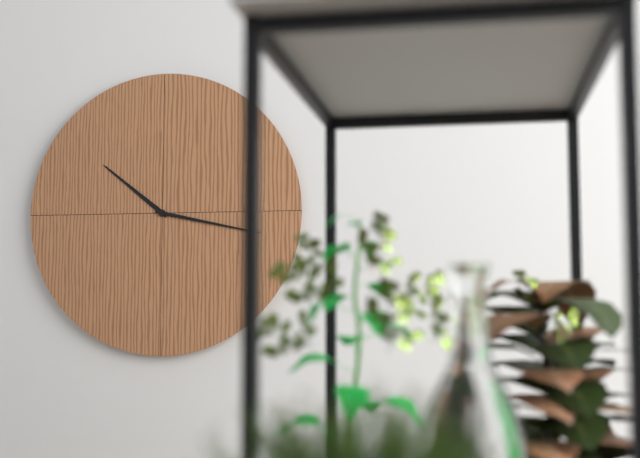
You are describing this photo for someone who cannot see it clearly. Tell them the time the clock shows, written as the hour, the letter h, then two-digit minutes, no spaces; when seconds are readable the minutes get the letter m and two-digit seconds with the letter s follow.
10h17
